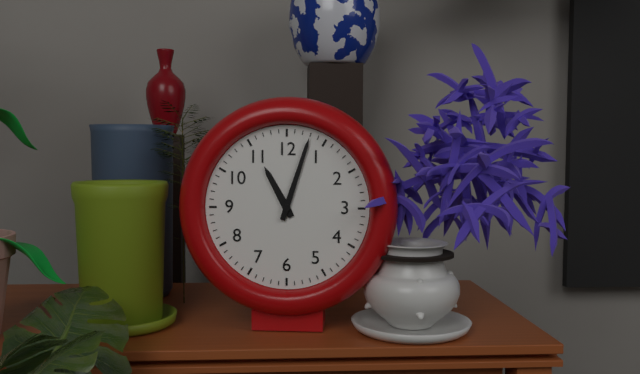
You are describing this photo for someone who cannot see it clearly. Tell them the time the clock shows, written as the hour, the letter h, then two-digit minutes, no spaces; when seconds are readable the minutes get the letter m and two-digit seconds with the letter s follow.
11h03
